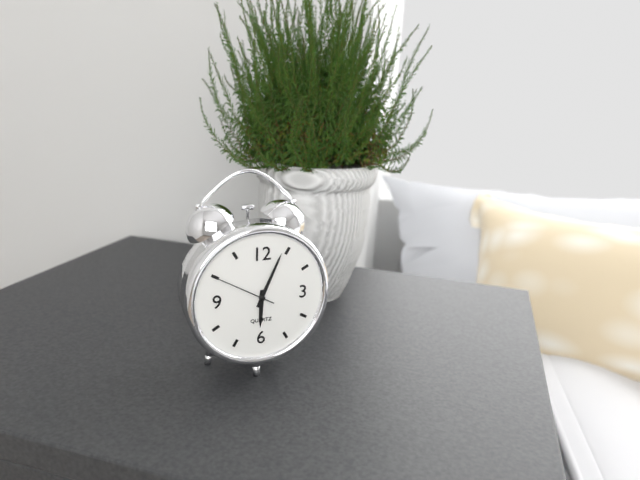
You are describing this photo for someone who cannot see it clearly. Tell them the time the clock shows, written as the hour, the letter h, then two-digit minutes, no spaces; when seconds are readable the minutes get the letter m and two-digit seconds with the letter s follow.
6h04m50s
